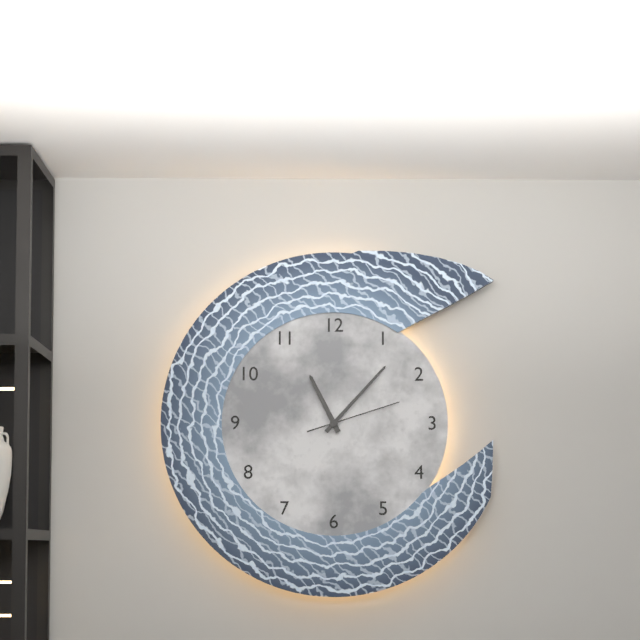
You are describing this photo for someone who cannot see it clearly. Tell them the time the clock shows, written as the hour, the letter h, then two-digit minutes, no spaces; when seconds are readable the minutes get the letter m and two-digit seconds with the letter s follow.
11h07m12s
